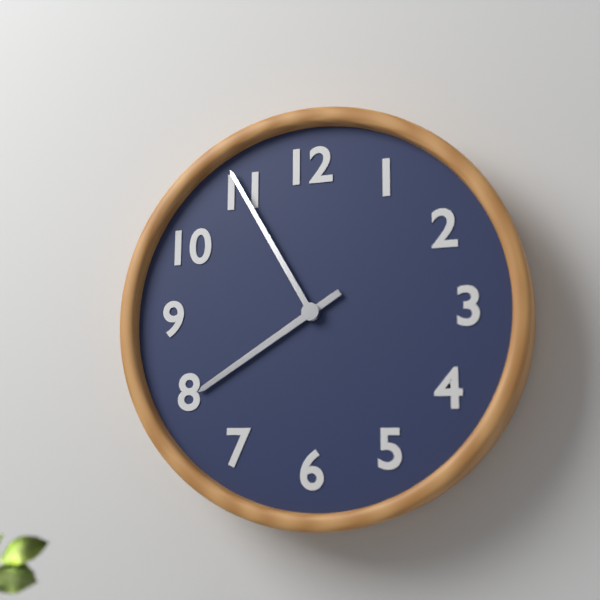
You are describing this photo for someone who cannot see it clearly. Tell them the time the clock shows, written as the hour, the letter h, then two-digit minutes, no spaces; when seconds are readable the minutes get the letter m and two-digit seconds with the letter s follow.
7h55
